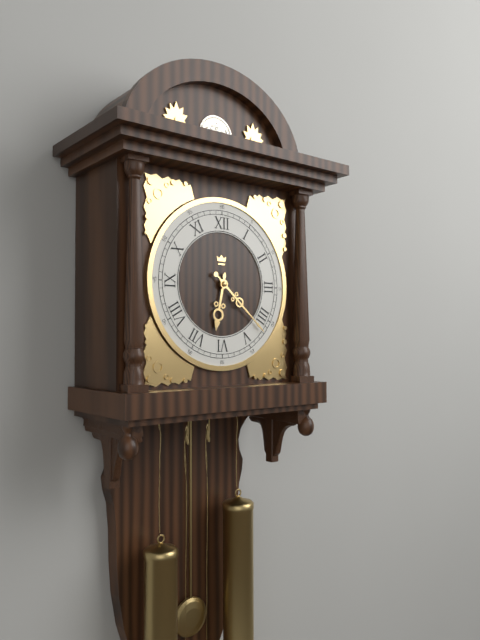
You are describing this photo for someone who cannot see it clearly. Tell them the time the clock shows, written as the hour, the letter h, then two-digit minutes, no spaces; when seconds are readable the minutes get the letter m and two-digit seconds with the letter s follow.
6h22
